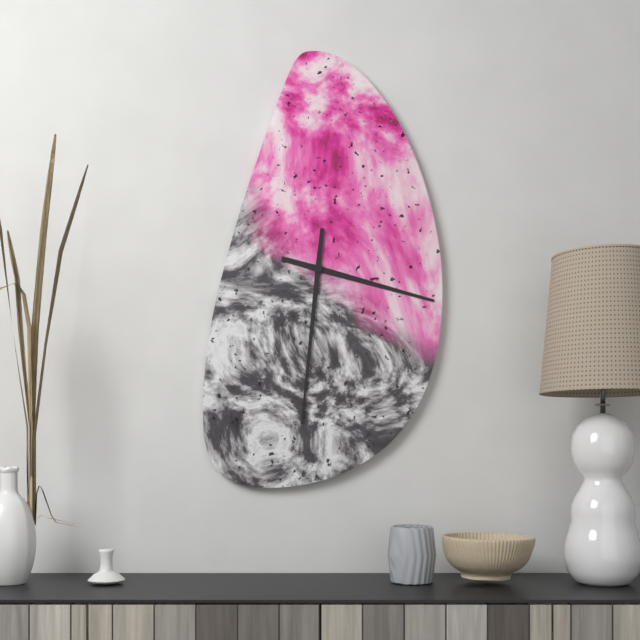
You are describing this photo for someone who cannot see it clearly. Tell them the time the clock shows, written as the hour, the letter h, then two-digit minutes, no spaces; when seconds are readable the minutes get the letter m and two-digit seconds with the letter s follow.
3h31
